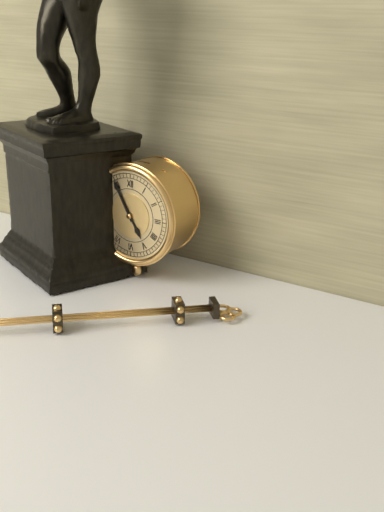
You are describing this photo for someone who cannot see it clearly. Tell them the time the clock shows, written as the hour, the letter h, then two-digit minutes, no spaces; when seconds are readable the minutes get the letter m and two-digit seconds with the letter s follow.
4h55
